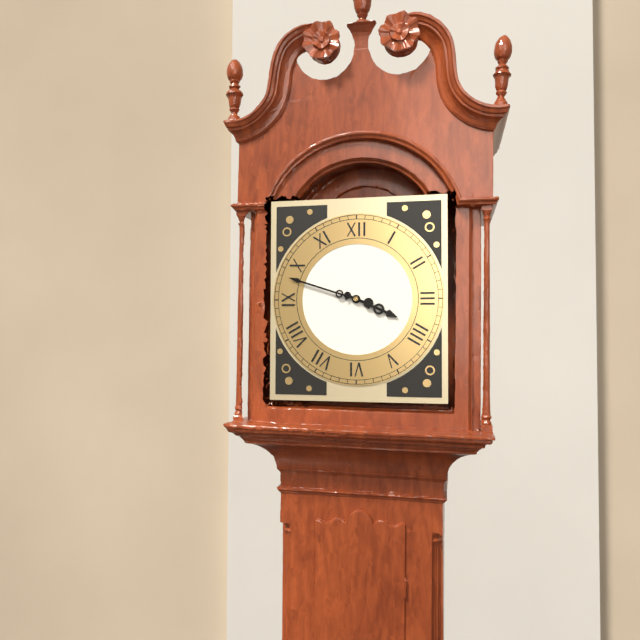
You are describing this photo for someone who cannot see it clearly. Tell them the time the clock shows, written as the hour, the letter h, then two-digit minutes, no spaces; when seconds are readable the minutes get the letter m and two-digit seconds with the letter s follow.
3h48
